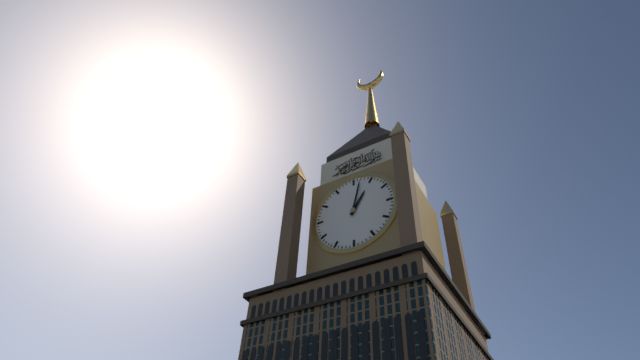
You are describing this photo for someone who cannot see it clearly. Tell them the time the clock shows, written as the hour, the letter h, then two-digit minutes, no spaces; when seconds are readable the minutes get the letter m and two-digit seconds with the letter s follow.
1h02
